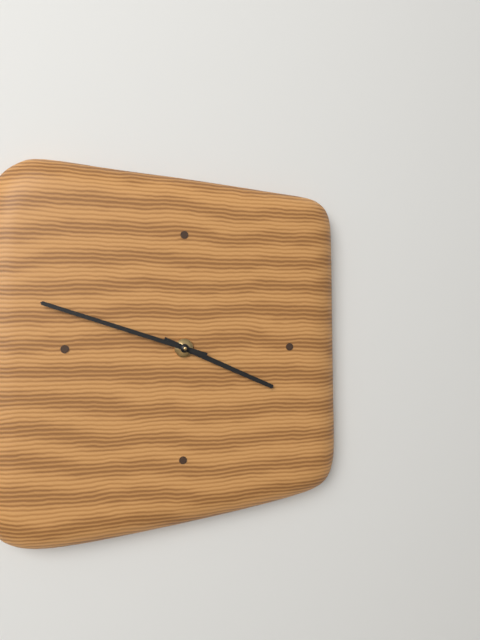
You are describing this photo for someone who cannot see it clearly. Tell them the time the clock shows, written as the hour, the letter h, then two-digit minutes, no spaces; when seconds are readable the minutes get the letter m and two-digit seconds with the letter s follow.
3h48
